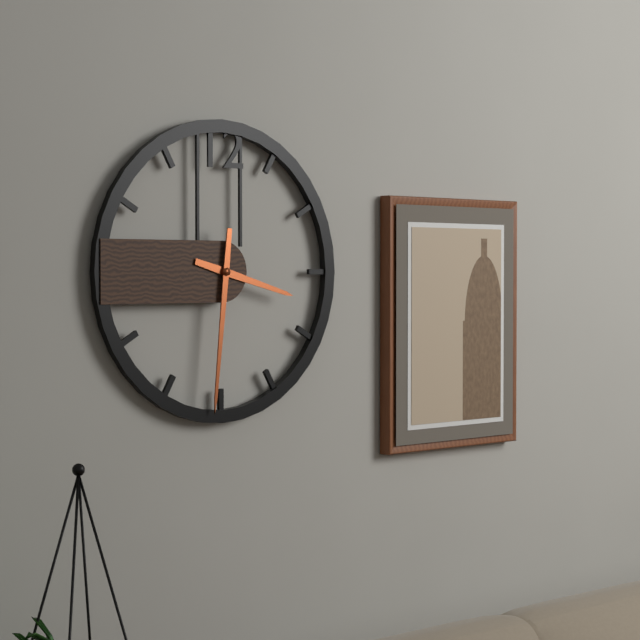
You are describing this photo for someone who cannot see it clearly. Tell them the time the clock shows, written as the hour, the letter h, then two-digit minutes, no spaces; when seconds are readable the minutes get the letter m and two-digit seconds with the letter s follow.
3h31
